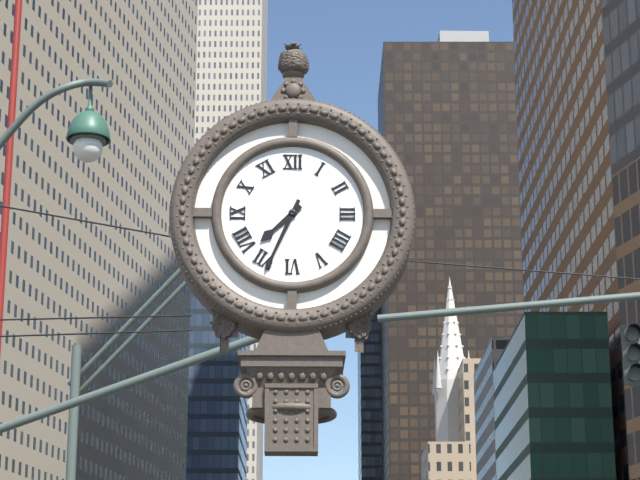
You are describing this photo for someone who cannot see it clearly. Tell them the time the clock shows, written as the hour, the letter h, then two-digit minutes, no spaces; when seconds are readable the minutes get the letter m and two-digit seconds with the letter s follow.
7h34
